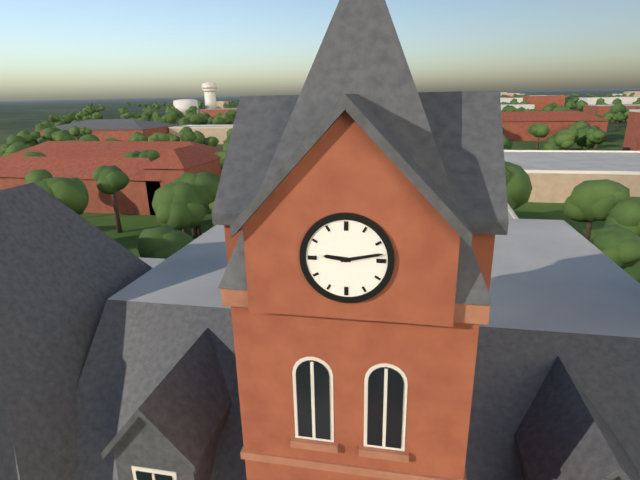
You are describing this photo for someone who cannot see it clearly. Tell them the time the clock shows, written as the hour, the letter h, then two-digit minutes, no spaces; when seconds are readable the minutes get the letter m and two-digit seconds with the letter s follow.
9h13
